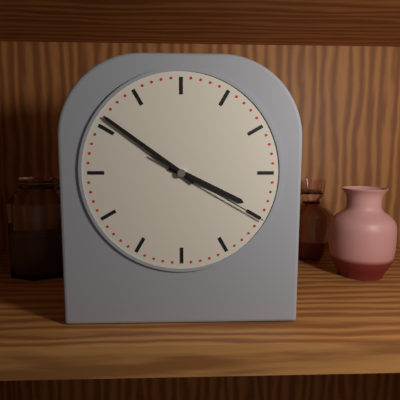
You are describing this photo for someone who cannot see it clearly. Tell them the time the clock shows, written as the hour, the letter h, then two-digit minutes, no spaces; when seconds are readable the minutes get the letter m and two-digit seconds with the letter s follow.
3h51m20s
